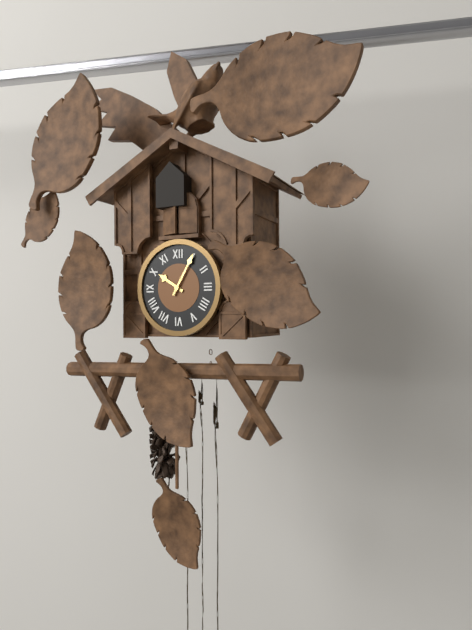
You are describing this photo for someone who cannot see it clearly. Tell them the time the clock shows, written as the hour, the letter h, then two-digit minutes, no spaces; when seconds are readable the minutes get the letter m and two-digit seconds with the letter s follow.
10h05
